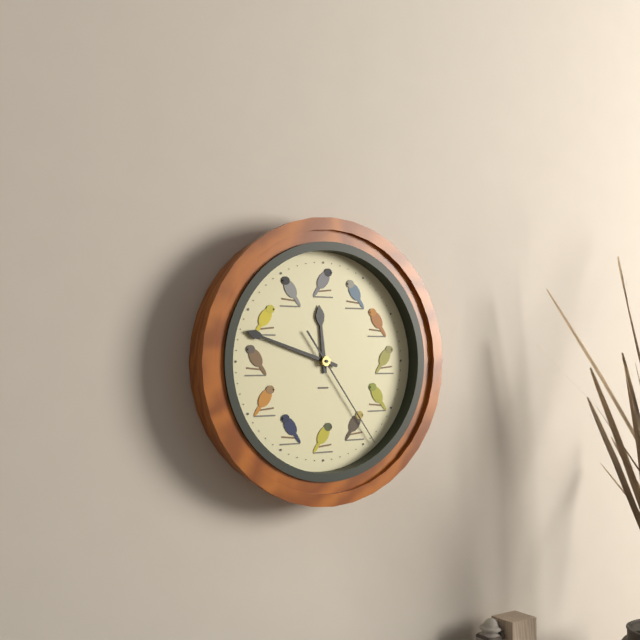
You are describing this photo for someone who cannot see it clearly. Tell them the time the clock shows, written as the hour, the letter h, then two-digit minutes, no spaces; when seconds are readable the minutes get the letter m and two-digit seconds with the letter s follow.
11h48m24s
